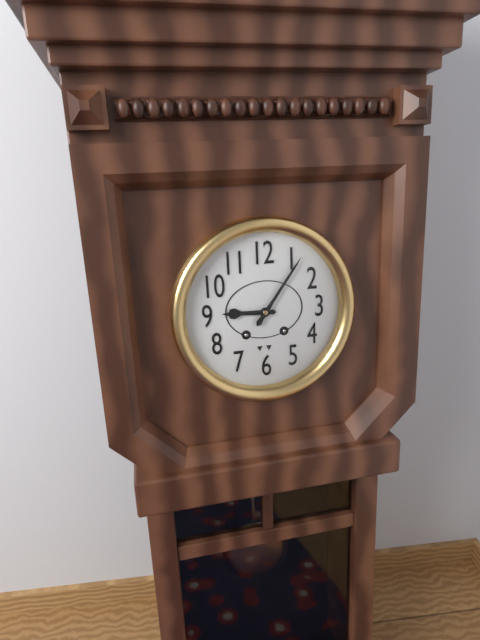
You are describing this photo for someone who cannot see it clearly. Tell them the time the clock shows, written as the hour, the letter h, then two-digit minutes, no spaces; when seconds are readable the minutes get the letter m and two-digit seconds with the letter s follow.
9h06
